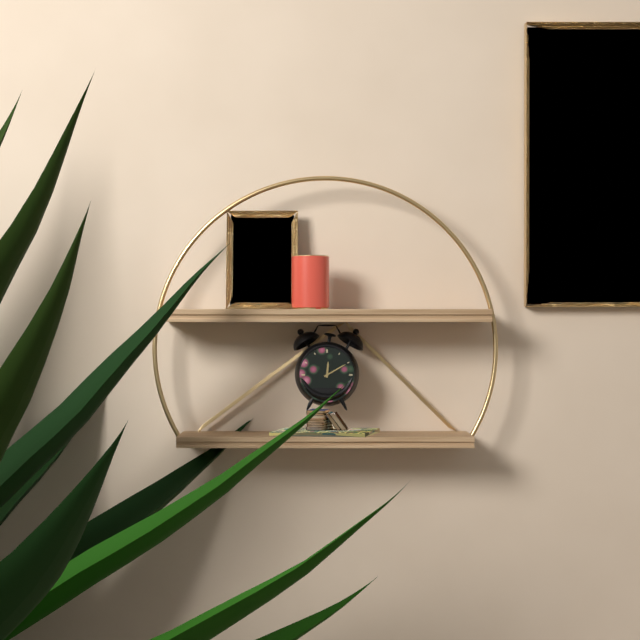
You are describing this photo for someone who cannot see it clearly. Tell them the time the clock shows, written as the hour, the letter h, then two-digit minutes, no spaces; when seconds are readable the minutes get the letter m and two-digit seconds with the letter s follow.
12h10
